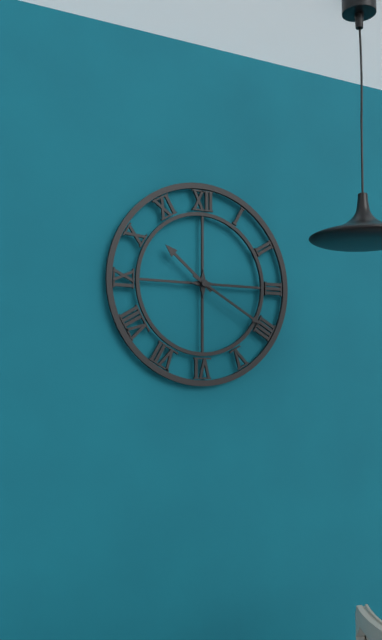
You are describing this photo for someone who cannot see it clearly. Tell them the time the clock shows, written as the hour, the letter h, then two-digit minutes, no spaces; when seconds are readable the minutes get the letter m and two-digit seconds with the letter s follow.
10h20
